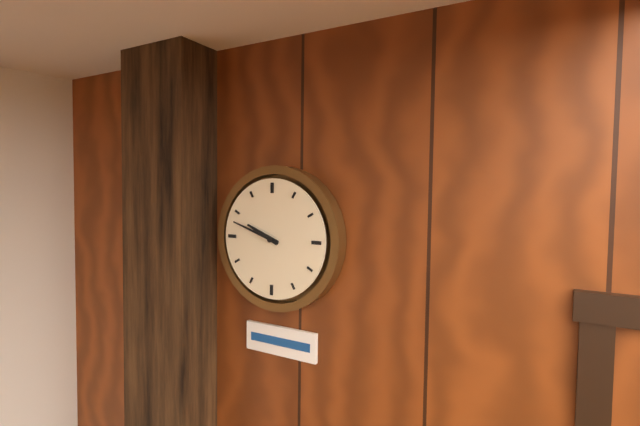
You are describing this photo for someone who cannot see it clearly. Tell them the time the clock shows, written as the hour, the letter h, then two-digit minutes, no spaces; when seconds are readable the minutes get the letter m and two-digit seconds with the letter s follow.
9h48
